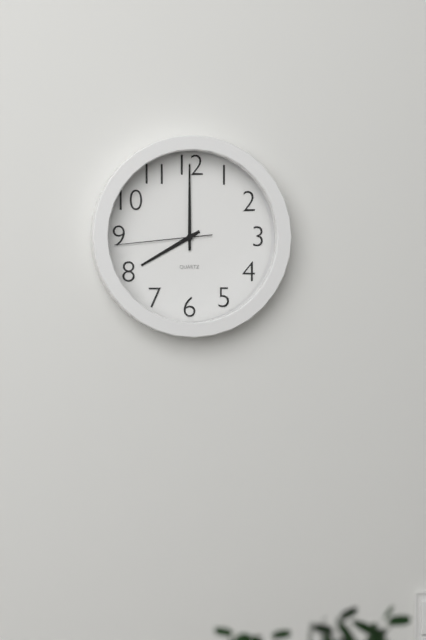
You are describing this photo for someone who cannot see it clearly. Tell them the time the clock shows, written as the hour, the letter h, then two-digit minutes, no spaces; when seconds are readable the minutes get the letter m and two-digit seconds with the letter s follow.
8h00m44s
